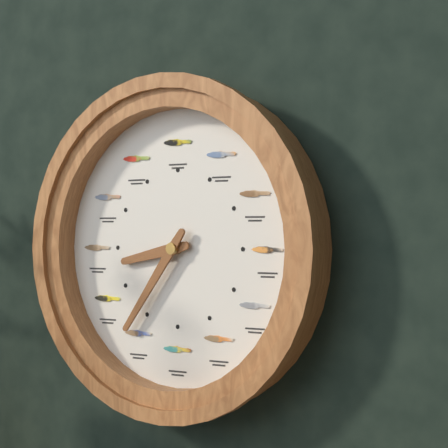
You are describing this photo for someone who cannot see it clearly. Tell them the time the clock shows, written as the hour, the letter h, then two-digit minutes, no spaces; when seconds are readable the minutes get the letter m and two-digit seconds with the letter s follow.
8h36
